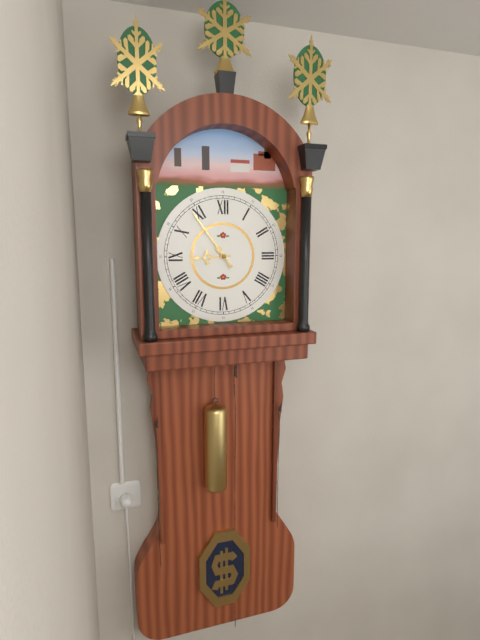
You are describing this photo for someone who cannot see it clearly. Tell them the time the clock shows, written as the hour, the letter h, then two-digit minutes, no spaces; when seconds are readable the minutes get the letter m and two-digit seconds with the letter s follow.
8h54
